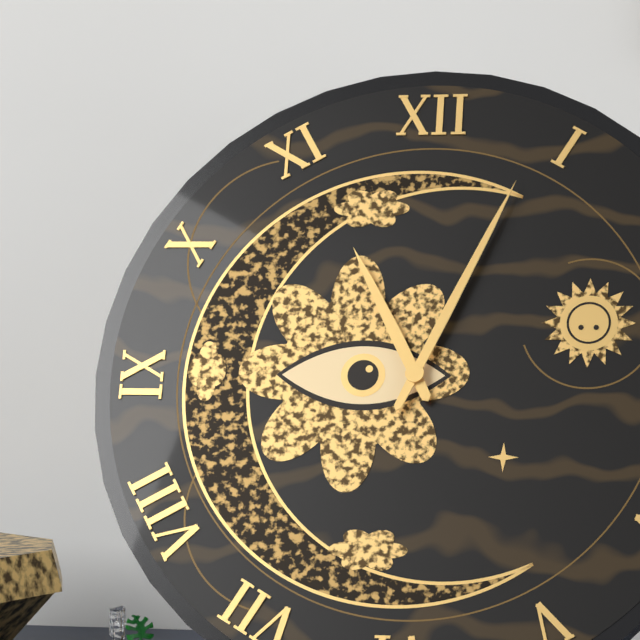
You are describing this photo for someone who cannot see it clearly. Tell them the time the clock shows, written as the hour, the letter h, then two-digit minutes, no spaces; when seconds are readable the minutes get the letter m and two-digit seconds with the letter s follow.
11h04
